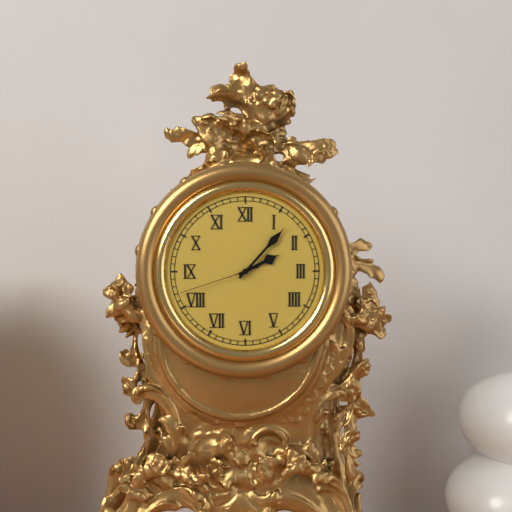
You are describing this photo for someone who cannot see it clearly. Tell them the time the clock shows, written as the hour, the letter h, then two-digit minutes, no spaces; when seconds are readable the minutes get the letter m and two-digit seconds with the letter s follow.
2h07m42s
